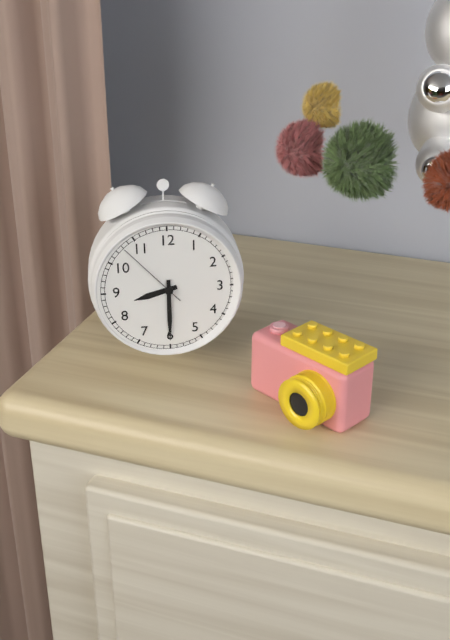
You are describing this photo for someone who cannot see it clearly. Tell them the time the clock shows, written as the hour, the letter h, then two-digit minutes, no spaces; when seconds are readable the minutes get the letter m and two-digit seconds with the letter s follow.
8h30m53s
